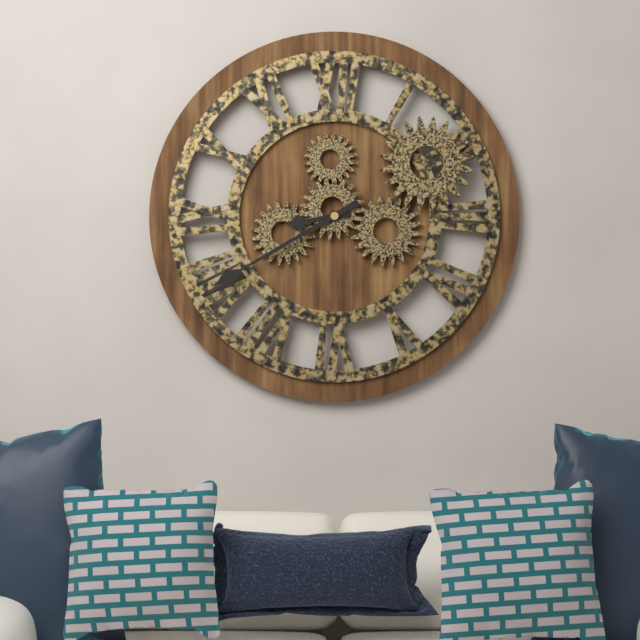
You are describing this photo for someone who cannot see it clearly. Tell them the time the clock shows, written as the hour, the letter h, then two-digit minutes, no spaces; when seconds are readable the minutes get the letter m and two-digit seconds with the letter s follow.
8h40
